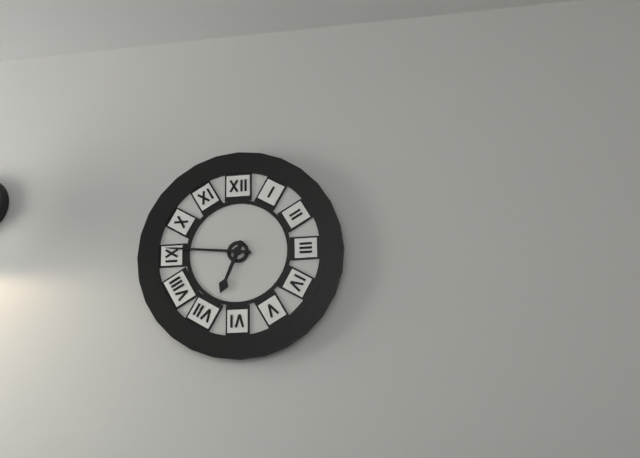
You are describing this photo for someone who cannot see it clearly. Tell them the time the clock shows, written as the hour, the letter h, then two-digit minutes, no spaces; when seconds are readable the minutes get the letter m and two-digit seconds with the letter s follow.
6h46
